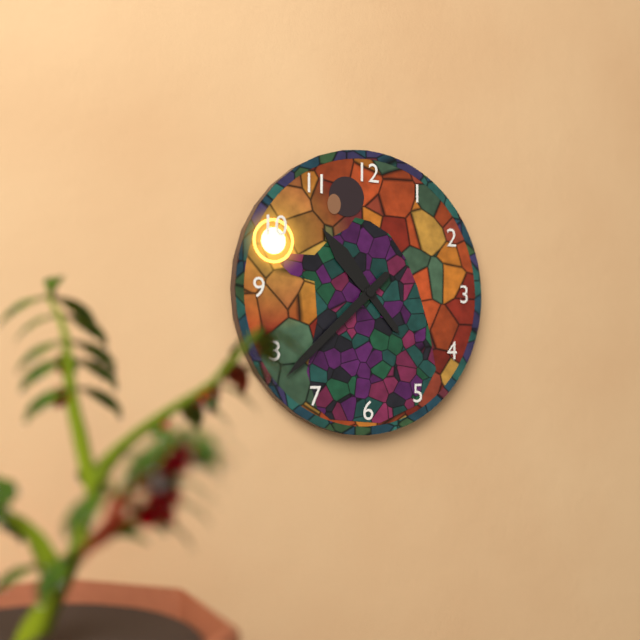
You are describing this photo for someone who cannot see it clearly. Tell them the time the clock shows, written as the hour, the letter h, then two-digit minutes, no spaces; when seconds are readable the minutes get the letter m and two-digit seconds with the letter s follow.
10h38
